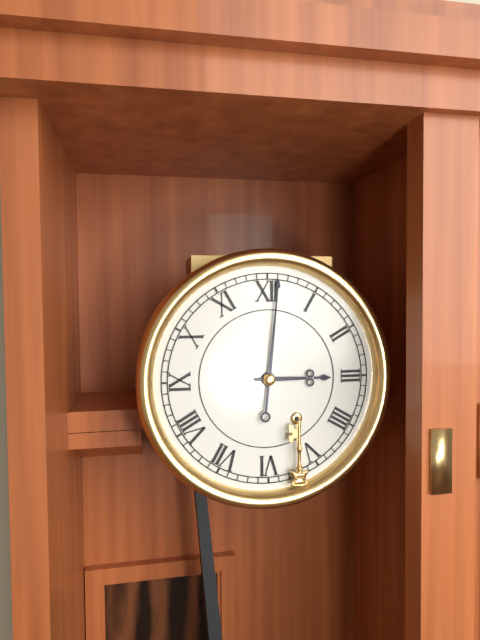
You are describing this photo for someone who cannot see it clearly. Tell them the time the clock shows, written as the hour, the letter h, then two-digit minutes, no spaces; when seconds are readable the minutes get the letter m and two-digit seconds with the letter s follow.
3h01
